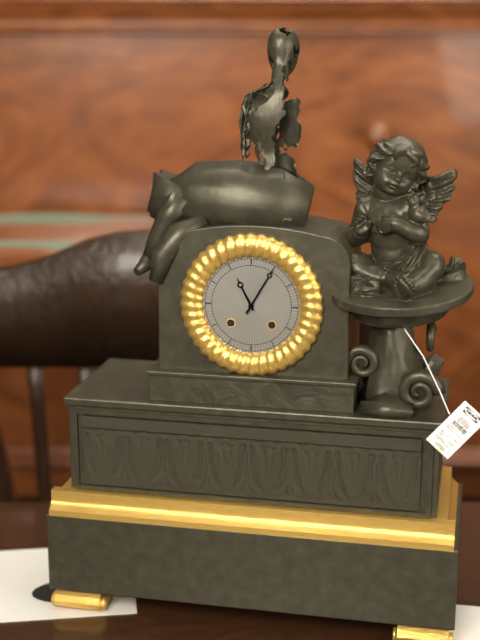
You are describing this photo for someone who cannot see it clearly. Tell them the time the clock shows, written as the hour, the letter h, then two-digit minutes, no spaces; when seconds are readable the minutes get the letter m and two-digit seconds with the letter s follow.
11h05
